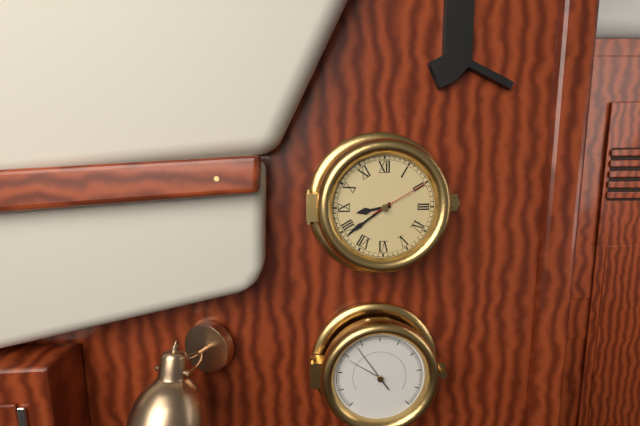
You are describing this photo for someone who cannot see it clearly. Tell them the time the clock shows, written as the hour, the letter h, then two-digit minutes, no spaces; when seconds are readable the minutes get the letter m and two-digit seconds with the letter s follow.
8h39m10s
